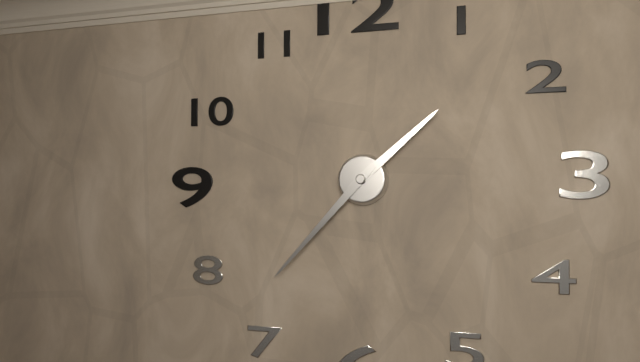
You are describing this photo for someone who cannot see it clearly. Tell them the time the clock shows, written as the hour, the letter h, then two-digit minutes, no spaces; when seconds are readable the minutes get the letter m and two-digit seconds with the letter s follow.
1h37
